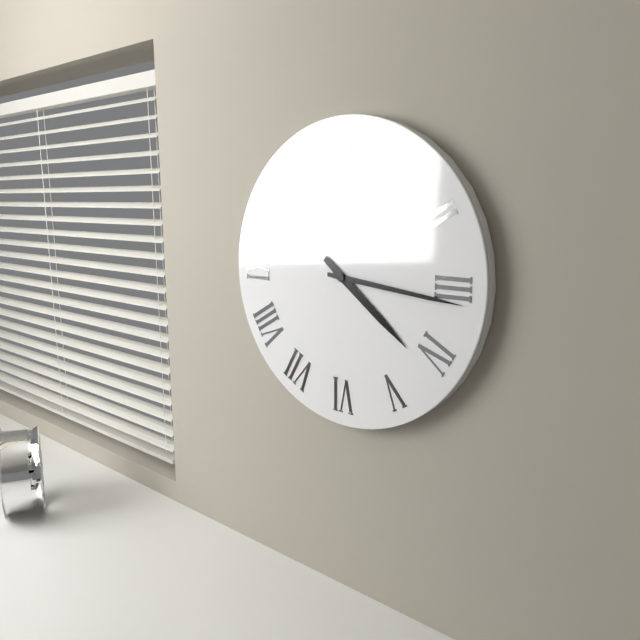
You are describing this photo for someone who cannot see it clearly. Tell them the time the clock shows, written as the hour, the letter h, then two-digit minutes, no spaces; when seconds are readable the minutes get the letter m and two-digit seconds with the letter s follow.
4h16
